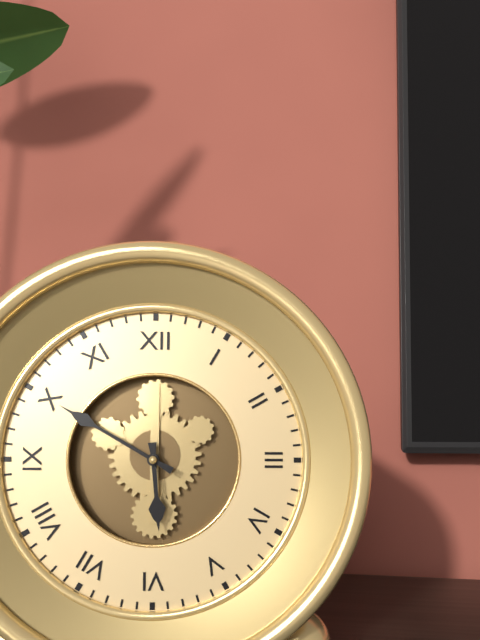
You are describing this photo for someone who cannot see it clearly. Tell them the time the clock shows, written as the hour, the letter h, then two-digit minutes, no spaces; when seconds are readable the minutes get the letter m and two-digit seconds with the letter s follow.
5h50
